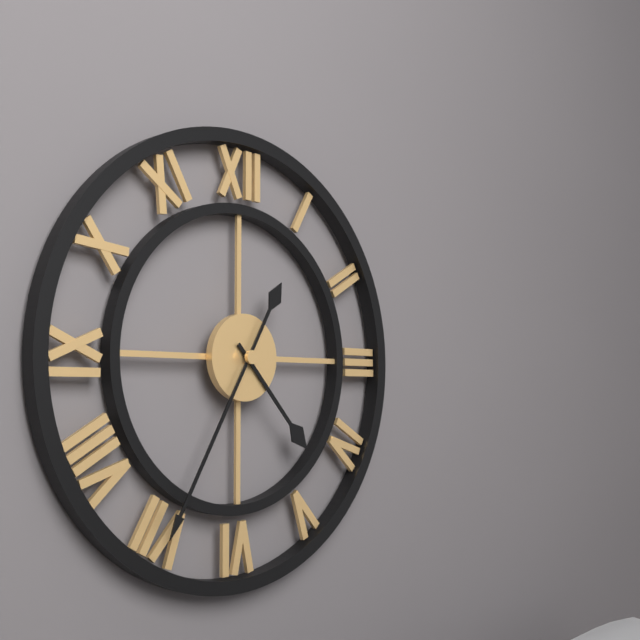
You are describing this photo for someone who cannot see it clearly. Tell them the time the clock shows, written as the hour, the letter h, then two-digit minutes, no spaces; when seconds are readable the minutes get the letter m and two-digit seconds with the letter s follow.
4h35
